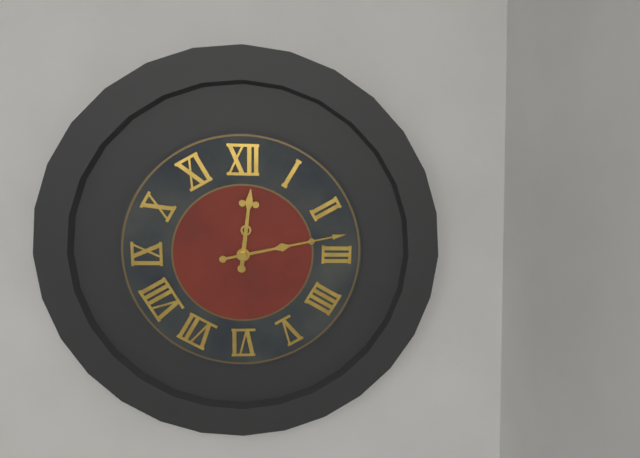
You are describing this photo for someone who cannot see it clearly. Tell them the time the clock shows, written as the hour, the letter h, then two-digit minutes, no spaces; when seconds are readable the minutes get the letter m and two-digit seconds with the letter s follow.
12h13
